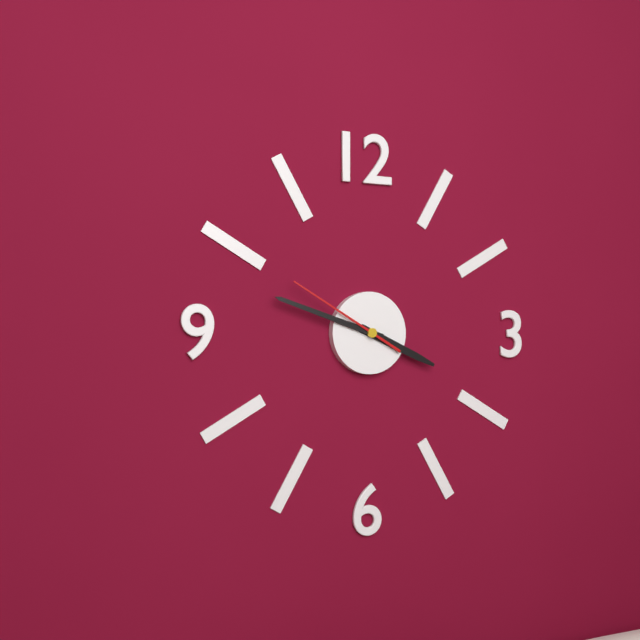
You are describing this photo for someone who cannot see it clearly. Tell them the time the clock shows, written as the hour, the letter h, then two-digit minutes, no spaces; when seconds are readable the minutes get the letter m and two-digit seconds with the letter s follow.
3h48m50s
